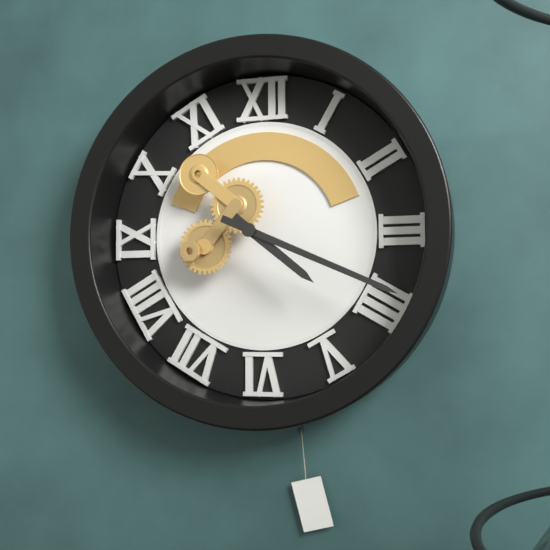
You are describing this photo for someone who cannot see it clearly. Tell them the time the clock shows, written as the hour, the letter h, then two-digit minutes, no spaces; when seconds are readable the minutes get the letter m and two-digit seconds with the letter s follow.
4h19
